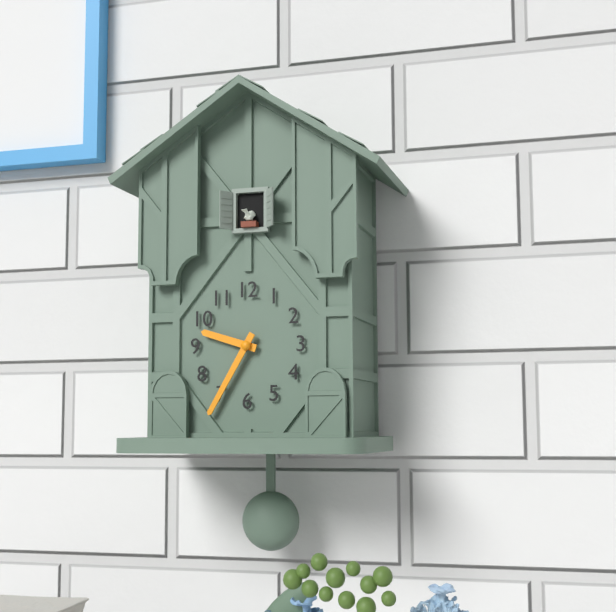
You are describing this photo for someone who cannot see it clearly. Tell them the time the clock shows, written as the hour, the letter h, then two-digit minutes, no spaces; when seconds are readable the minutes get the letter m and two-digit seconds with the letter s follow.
9h35
